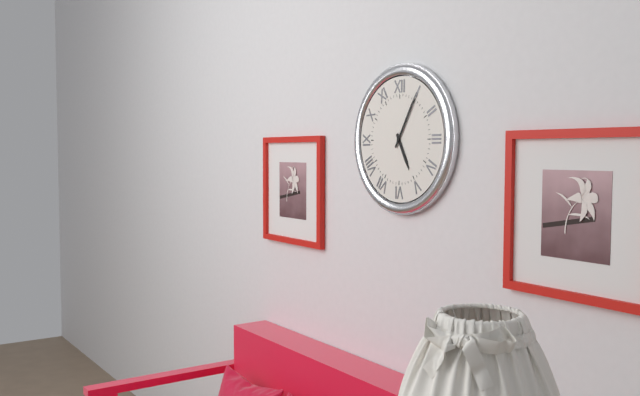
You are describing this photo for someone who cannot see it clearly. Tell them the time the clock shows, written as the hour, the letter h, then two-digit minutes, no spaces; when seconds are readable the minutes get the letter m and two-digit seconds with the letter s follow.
5h05
